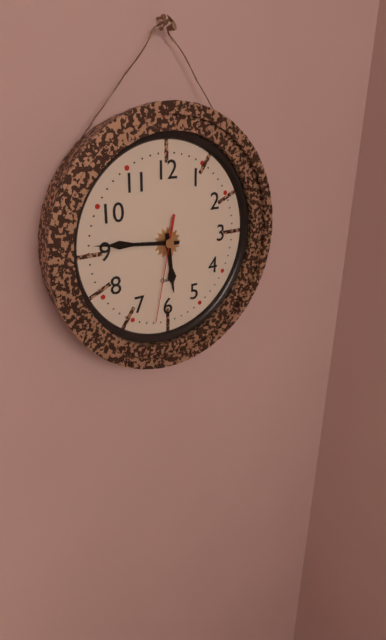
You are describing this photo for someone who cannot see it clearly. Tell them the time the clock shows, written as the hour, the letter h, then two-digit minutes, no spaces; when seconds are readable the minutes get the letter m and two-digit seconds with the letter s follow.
5h46m32s
